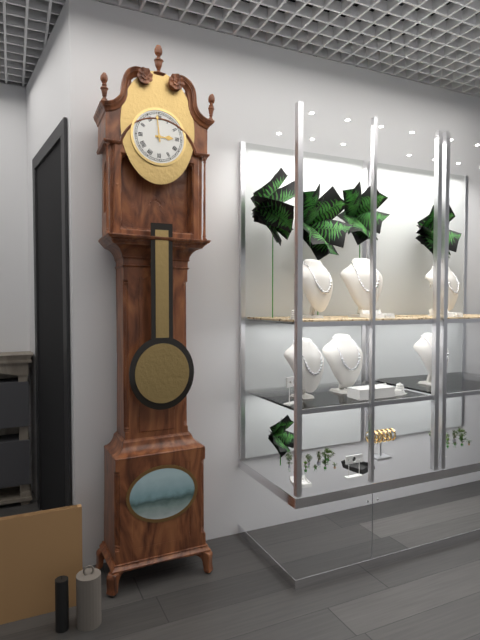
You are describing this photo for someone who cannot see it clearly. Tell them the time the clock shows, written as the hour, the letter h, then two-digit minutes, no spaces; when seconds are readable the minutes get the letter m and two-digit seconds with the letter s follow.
2h59
